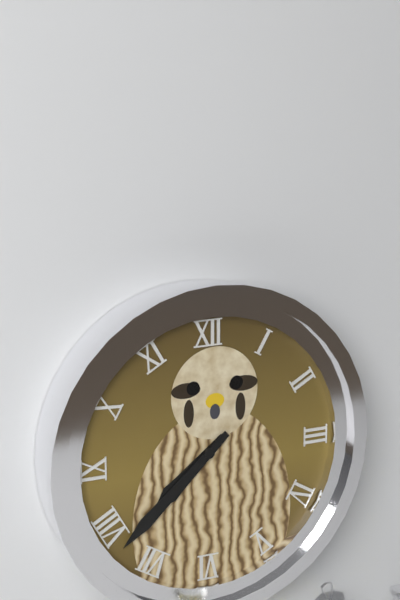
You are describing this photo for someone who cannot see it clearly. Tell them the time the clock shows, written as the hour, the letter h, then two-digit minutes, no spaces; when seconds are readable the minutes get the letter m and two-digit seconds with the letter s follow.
7h38
